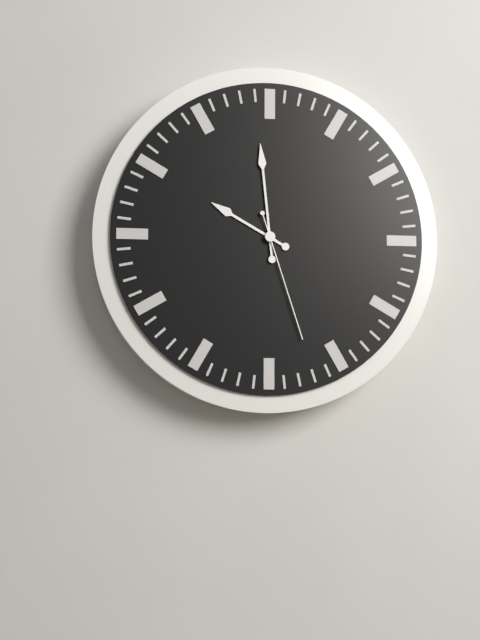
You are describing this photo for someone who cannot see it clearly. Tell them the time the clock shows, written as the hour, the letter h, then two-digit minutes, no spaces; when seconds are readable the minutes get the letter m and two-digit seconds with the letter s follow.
9h59m27s
